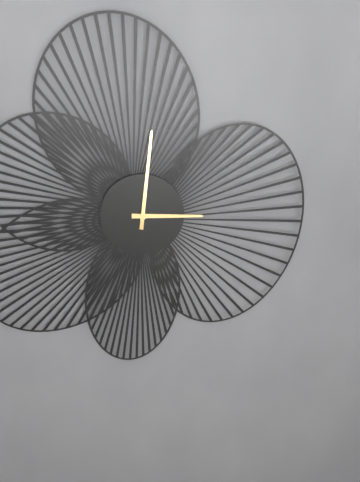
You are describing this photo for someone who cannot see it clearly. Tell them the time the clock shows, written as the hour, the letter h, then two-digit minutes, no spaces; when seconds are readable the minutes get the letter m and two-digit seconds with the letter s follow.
3h01
